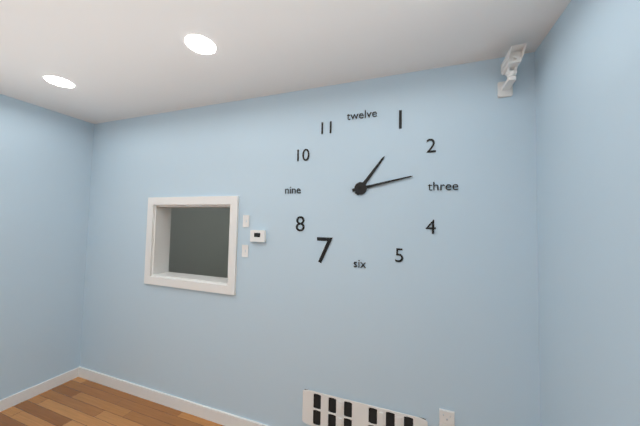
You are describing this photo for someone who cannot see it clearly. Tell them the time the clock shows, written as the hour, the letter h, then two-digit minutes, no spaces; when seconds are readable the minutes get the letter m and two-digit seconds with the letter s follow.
1h13
